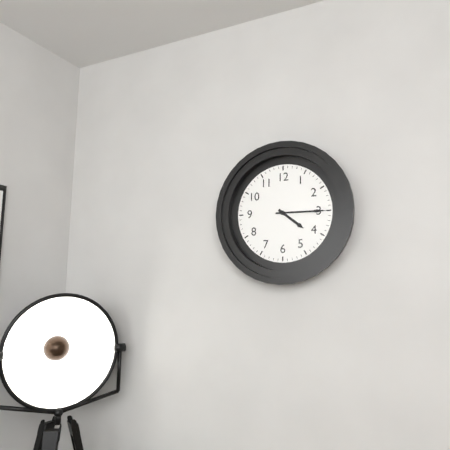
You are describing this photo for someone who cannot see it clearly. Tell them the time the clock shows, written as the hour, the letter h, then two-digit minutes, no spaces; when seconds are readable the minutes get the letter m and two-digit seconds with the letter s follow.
4h15
